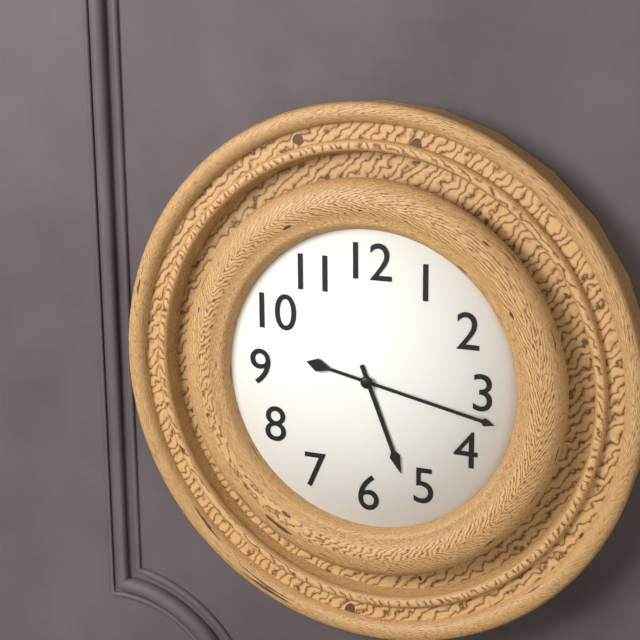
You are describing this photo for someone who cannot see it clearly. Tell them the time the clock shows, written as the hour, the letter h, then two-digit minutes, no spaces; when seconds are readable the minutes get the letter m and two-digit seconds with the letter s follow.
5h17
